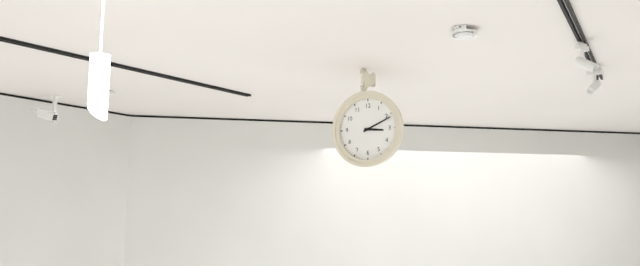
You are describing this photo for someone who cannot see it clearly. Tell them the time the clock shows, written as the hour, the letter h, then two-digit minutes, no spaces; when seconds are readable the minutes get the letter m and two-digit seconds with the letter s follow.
3h11
